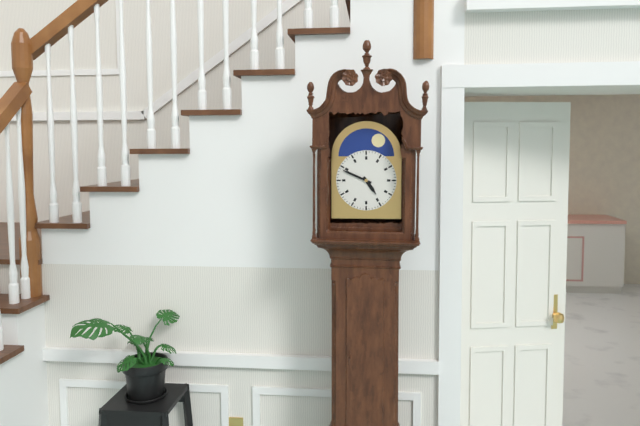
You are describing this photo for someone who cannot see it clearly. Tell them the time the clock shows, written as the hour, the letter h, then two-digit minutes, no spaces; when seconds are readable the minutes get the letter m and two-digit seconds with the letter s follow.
4h49
